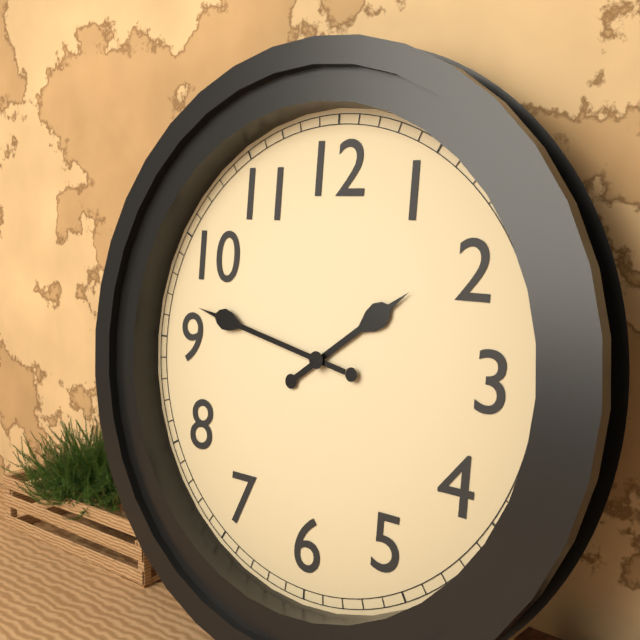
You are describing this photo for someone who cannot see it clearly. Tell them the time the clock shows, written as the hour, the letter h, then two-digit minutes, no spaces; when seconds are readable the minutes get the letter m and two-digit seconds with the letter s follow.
1h47
